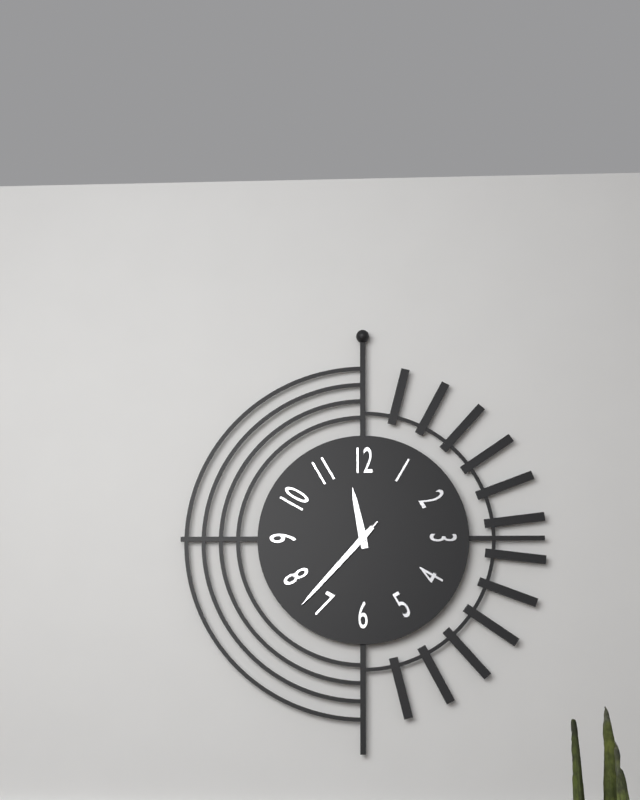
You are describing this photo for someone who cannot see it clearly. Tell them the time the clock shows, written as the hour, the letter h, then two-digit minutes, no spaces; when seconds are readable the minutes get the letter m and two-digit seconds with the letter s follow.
11h37m37s
